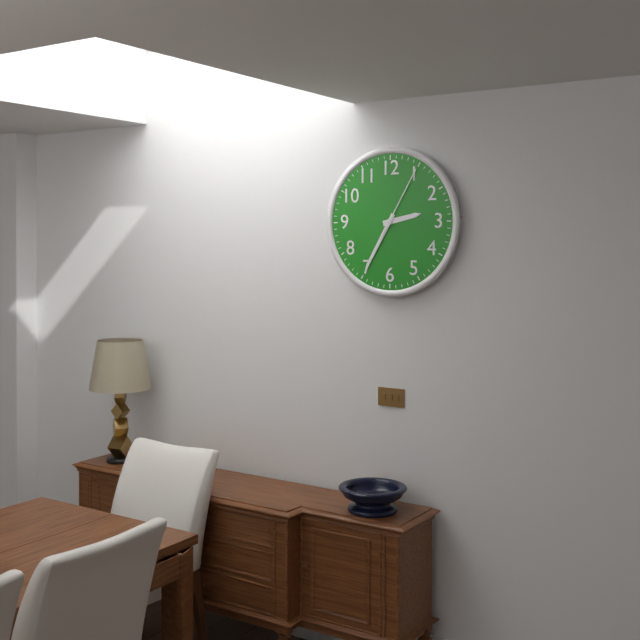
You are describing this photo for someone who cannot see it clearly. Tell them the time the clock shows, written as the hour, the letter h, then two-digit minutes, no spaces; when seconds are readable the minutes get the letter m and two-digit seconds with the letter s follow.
2h35m05s
